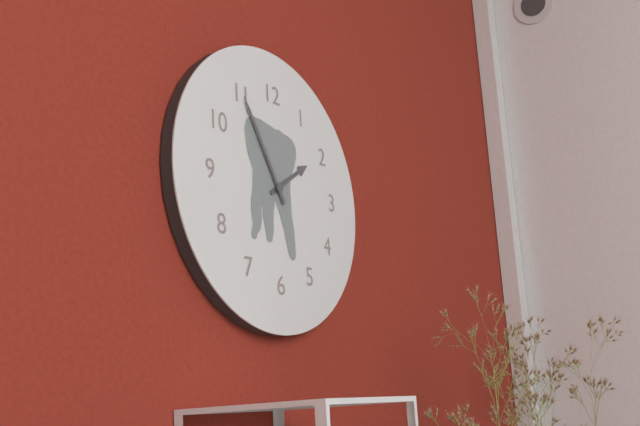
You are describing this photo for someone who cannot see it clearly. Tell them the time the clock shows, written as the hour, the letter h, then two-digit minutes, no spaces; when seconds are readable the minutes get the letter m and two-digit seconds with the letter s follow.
1h55
